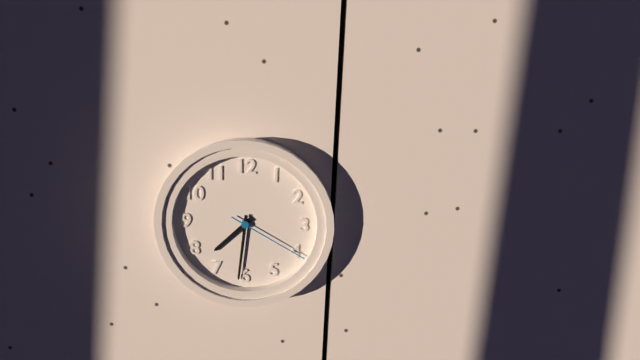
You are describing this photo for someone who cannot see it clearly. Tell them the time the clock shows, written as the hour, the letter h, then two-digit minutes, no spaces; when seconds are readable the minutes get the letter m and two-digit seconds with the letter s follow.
7h31m20s
